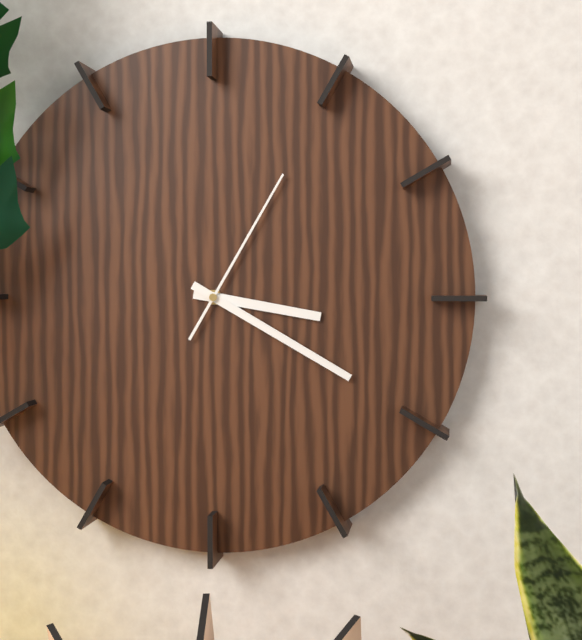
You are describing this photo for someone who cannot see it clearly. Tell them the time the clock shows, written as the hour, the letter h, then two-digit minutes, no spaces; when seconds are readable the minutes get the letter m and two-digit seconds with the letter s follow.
3h20m05s
